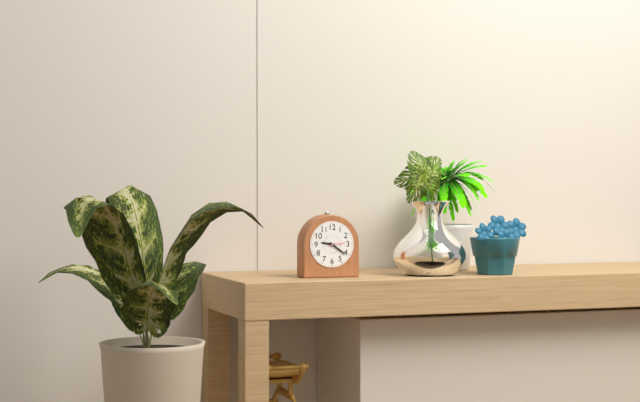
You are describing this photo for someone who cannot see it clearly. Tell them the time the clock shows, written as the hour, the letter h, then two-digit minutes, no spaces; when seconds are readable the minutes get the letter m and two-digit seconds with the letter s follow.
9h21
